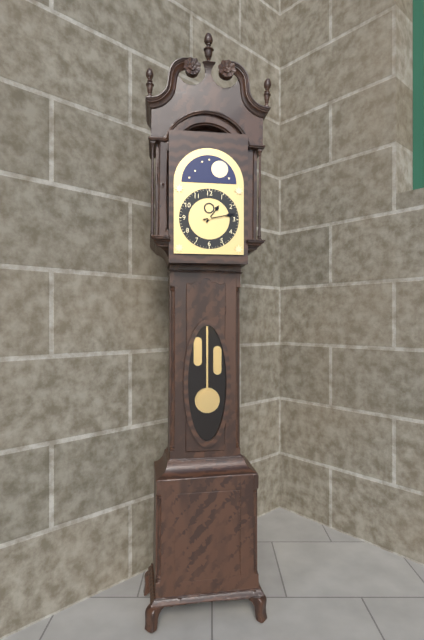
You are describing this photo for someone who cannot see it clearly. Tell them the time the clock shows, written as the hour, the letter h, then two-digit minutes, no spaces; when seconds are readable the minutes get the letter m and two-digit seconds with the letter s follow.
1h13
